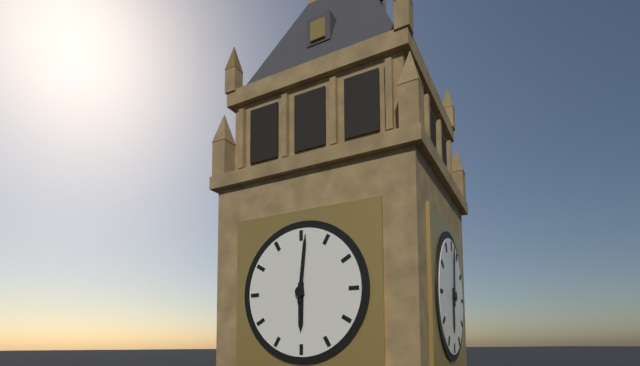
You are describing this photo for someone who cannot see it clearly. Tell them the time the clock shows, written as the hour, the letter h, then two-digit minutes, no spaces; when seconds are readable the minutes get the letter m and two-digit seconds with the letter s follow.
6h01
